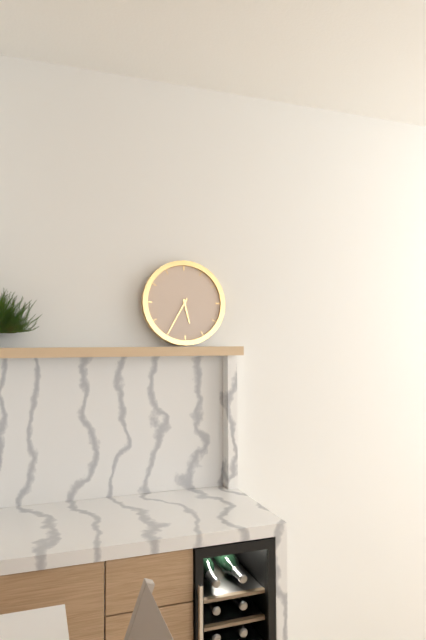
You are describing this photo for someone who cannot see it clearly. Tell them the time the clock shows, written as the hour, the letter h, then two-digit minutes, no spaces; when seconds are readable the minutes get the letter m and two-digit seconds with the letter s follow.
5h35
